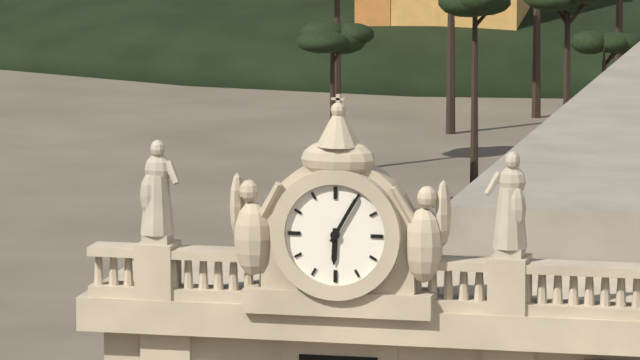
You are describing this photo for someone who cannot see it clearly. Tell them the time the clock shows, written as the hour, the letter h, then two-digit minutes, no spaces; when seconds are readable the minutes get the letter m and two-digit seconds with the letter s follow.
6h05
